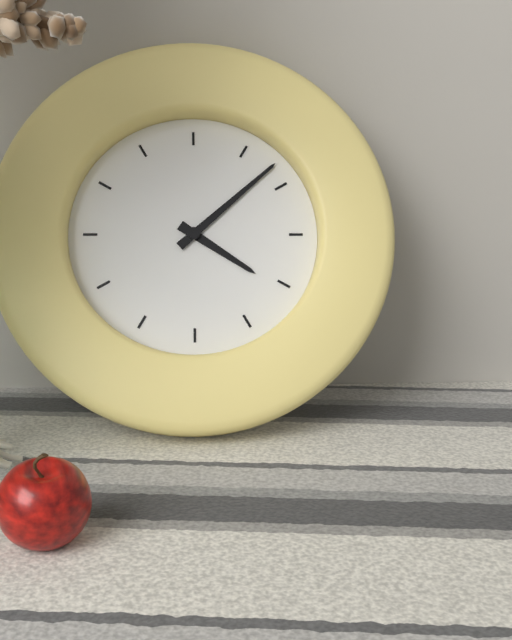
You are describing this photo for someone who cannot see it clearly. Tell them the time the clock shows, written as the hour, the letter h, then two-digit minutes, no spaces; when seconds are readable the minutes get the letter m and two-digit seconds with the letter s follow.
4h08
